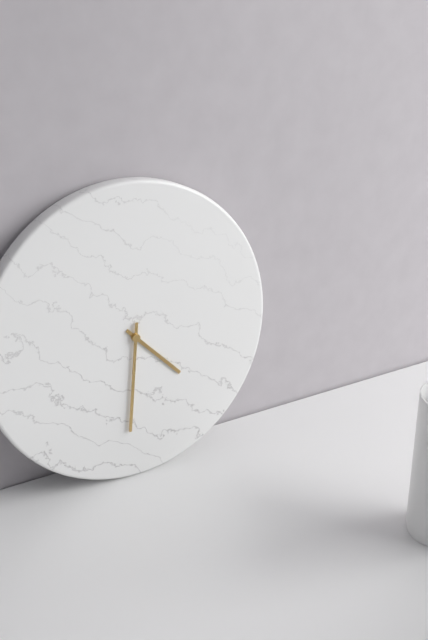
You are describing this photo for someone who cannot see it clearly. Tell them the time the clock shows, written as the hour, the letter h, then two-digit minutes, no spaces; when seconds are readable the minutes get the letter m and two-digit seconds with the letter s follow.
4h31
